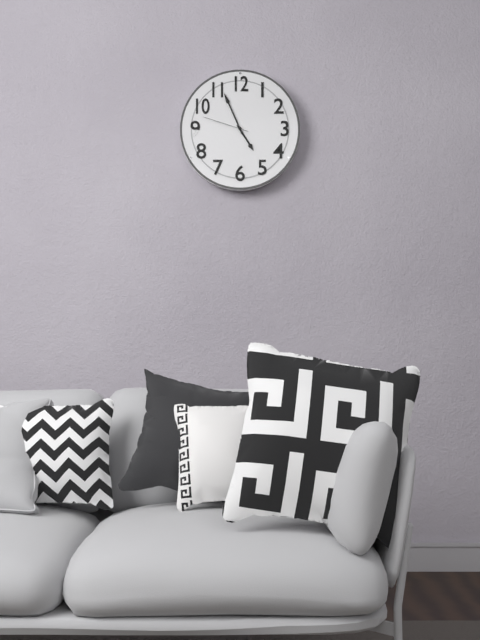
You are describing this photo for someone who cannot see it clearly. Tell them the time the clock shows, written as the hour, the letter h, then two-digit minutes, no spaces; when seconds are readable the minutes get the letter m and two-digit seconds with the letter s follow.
4h56
